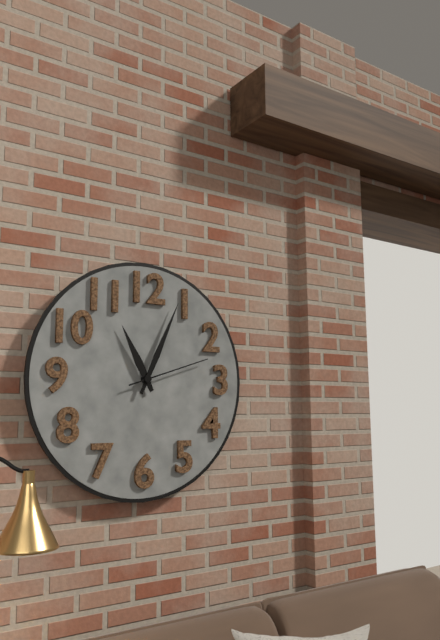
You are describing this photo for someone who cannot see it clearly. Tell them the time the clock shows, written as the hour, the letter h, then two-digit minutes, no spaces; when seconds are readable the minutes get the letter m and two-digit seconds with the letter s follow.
11h04m12s
